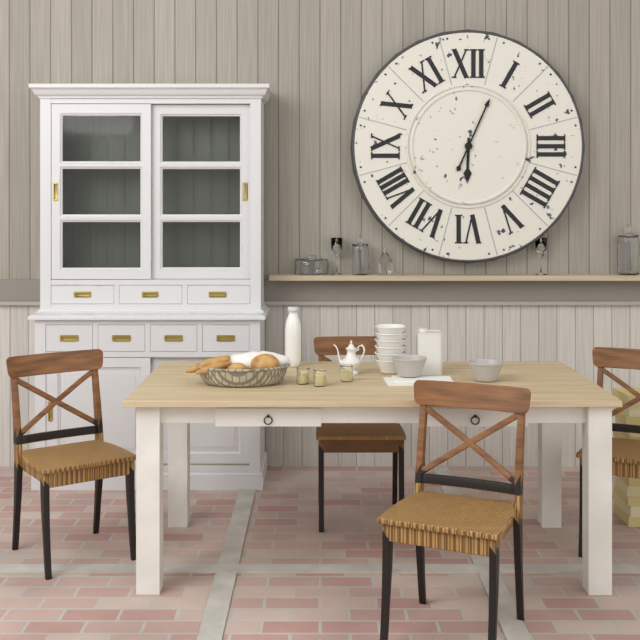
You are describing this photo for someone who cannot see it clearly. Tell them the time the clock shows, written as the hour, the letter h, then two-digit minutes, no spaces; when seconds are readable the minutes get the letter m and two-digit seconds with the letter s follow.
6h04
